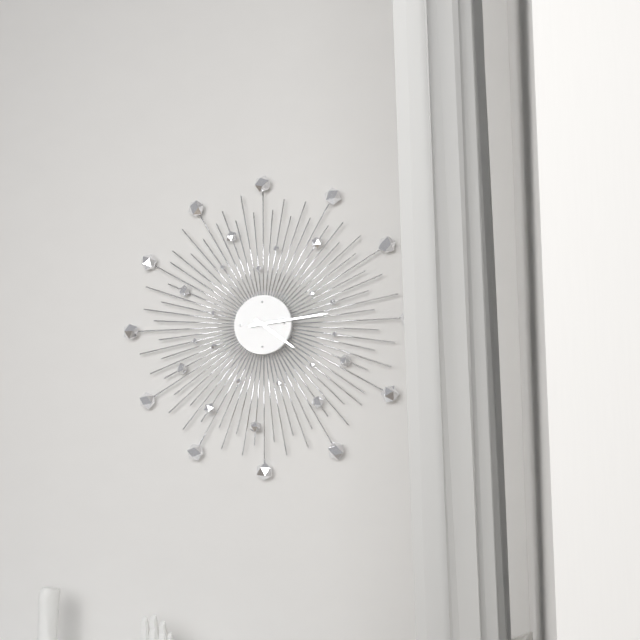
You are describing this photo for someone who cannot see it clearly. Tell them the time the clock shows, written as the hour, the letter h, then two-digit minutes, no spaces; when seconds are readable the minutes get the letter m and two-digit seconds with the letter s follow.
4h14
